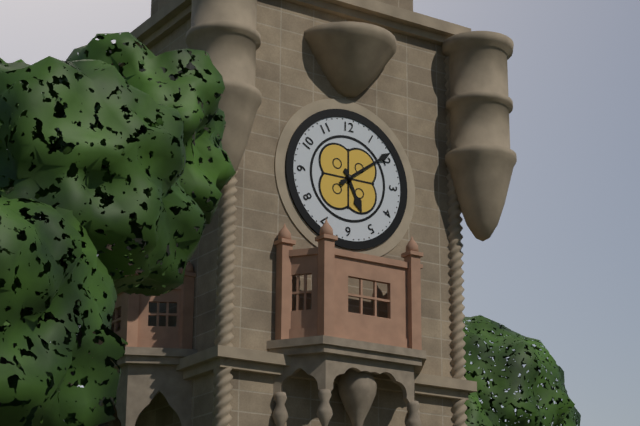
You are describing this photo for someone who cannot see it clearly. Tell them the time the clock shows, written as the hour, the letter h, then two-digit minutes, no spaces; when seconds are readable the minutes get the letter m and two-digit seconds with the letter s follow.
5h09
